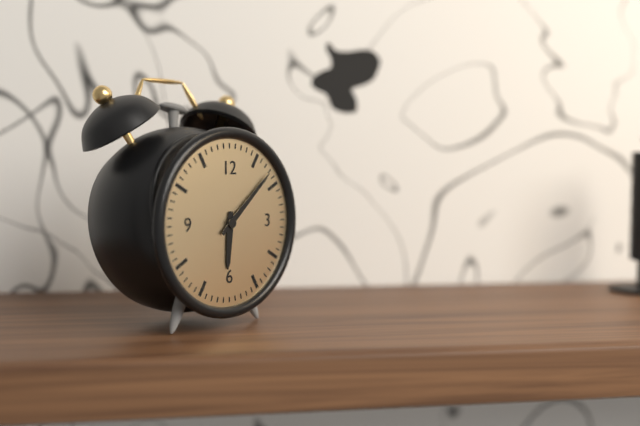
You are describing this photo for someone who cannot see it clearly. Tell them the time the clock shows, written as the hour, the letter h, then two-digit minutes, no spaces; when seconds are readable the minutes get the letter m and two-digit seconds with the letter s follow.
6h08
